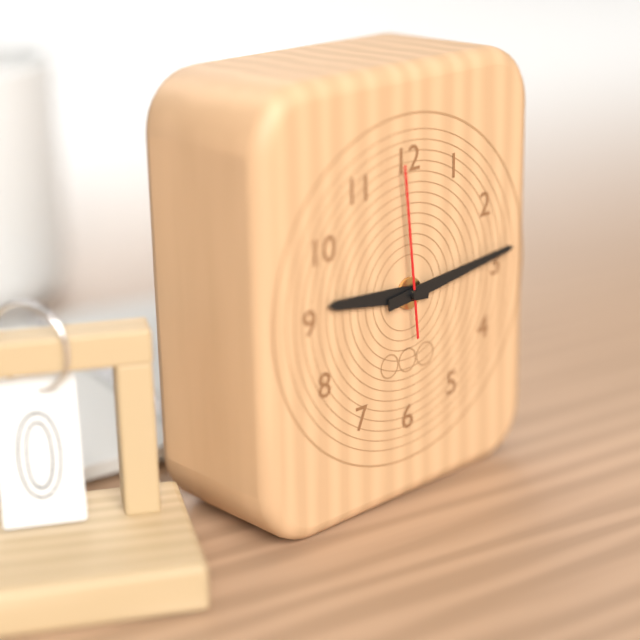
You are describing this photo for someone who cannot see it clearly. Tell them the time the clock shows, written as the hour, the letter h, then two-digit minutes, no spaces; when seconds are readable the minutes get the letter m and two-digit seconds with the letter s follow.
9h14m59s
